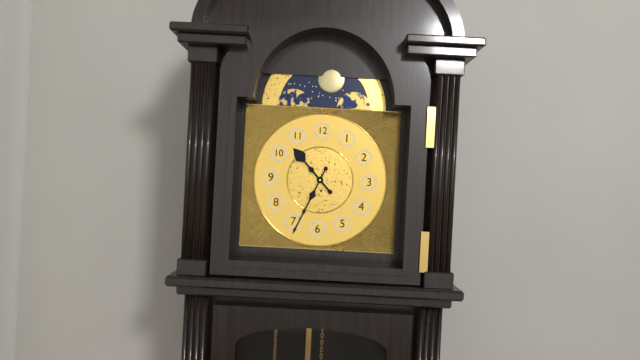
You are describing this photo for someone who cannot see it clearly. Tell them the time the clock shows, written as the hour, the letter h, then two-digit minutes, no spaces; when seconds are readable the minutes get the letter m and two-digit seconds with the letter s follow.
10h34
